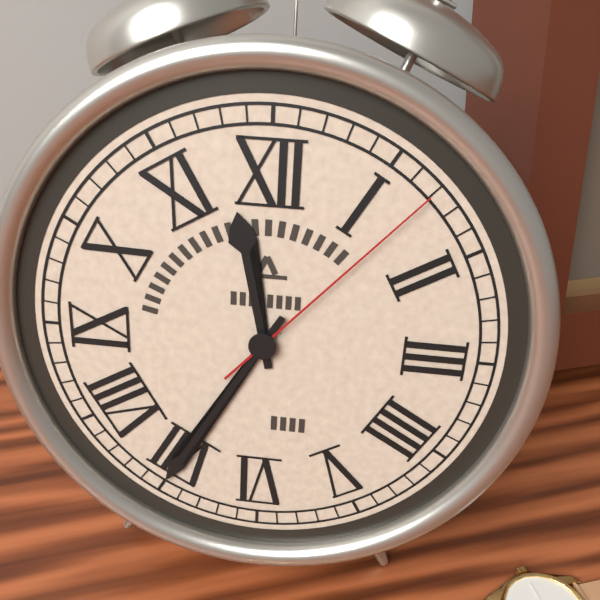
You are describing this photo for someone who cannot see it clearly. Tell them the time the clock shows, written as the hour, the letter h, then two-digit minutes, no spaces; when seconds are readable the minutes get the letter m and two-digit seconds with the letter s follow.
11h35m07s
